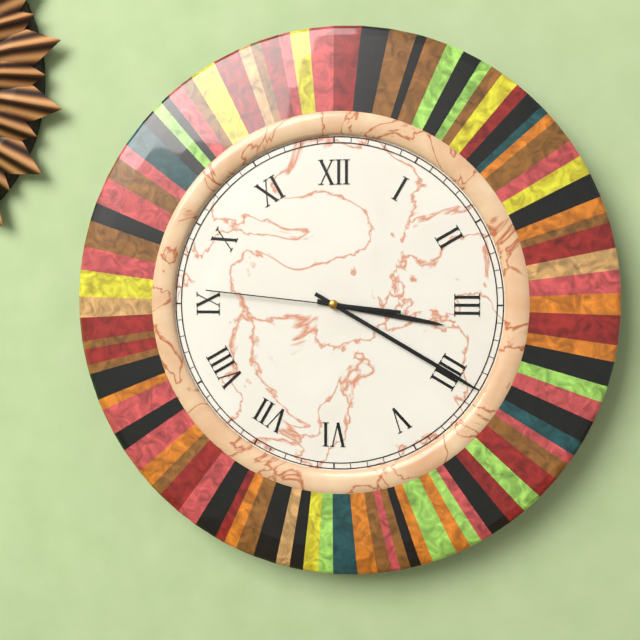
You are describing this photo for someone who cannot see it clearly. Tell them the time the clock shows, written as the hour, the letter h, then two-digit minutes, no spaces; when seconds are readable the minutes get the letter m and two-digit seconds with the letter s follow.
3h20m46s
